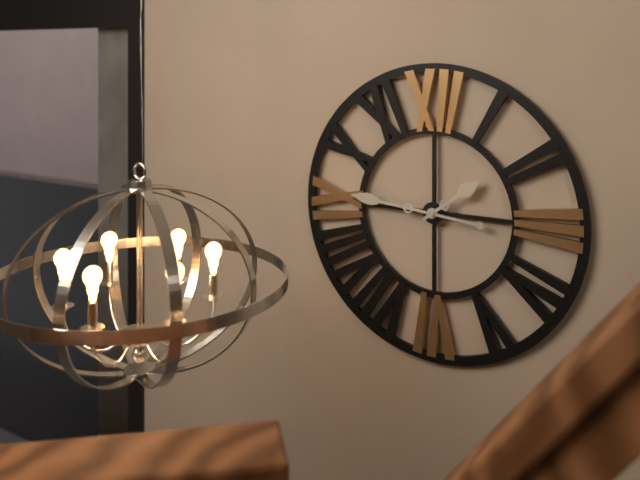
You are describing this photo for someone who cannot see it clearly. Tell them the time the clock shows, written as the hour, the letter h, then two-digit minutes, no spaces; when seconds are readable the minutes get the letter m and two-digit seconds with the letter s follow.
1h46
